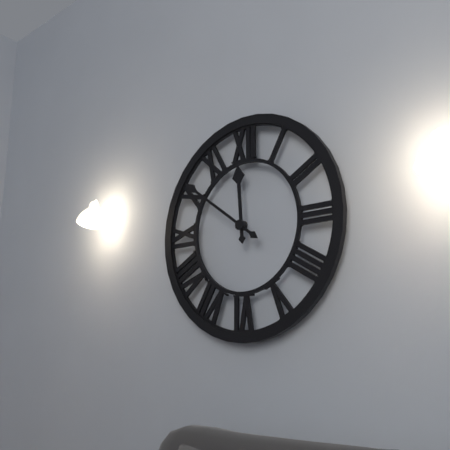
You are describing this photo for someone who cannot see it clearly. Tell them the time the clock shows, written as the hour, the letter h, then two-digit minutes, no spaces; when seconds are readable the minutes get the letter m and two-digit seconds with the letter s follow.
11h51
